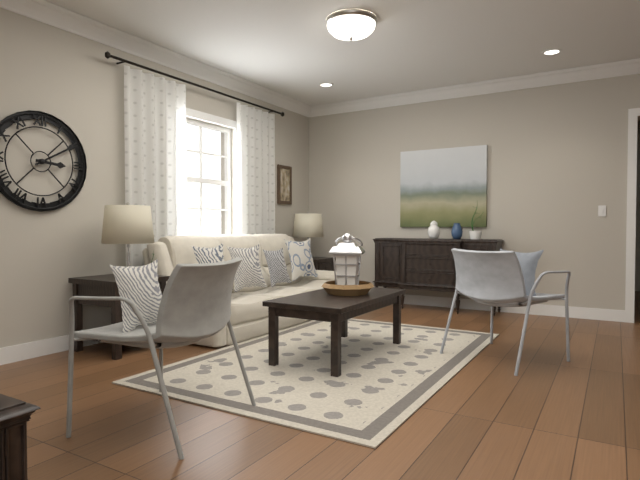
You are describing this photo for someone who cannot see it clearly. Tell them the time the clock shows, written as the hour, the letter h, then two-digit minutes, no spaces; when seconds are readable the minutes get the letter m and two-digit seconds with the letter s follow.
3h10
